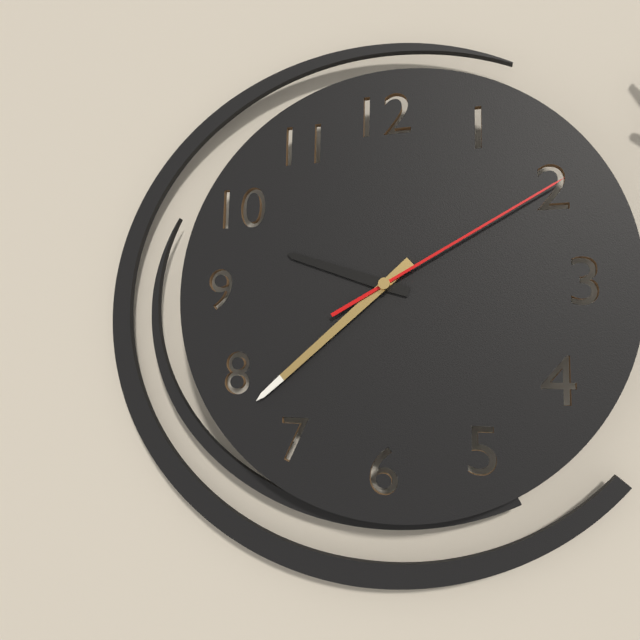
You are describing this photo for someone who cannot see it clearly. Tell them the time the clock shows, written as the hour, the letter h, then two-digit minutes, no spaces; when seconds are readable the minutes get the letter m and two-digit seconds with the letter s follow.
9h38m10s
